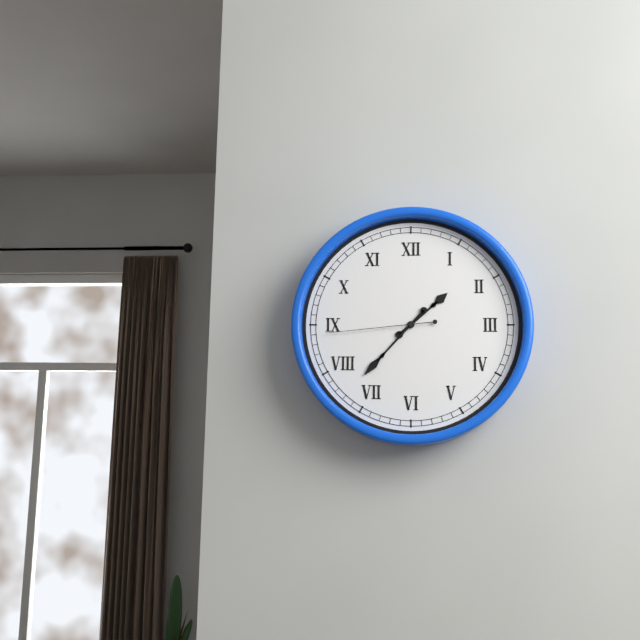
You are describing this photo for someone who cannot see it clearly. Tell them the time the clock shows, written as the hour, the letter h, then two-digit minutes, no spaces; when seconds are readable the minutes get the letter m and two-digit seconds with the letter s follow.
1h37m44s
